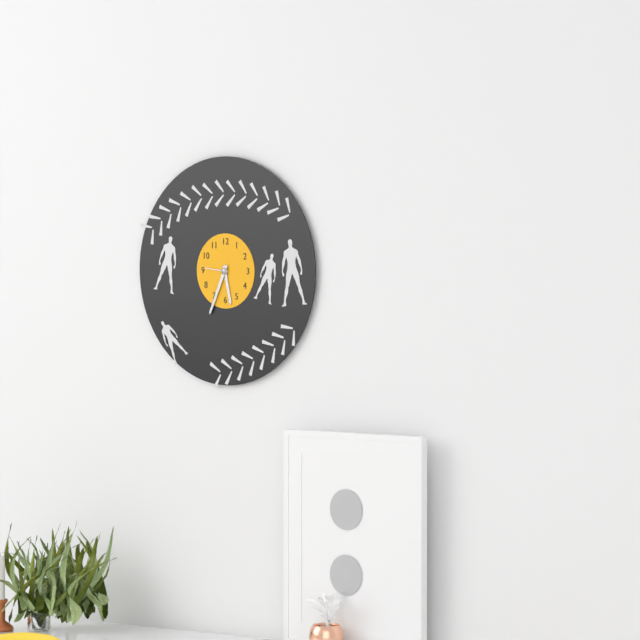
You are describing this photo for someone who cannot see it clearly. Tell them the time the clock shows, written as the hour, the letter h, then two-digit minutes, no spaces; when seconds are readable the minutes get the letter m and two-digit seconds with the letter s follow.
5h34
